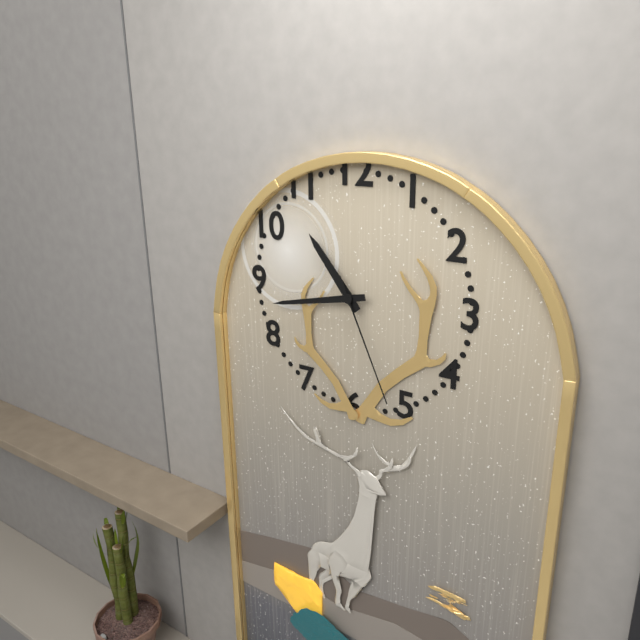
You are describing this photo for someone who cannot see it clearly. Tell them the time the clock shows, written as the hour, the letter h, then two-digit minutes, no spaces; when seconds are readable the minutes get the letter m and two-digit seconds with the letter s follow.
10h43m26s
